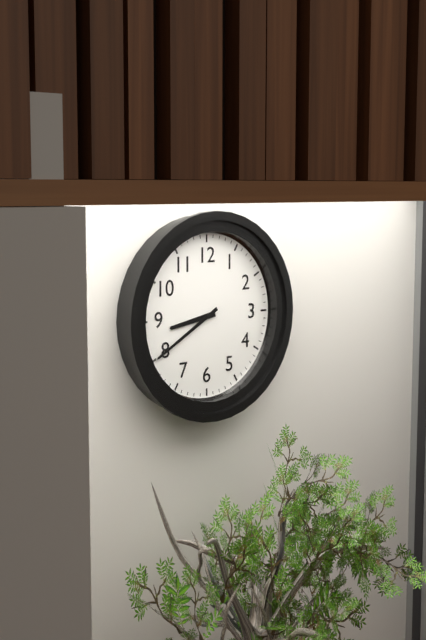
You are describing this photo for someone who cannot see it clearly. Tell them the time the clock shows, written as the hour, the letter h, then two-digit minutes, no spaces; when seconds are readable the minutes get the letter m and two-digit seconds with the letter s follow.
8h40
